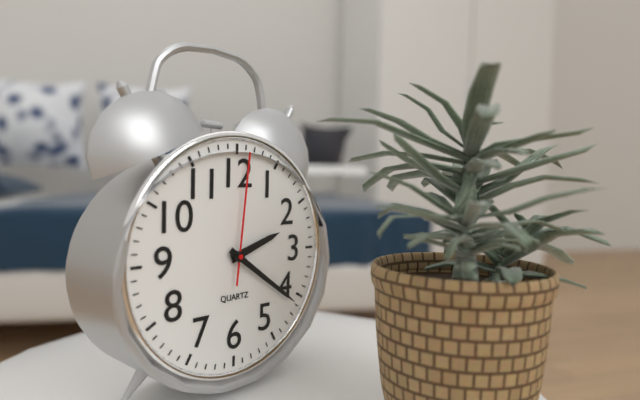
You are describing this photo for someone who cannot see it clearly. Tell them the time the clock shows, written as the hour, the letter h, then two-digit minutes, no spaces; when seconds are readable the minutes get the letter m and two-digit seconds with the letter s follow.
2h21m01s
